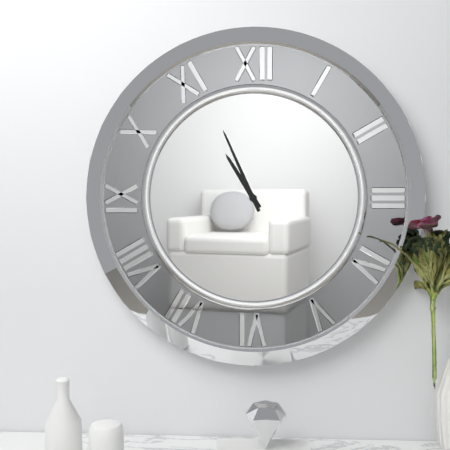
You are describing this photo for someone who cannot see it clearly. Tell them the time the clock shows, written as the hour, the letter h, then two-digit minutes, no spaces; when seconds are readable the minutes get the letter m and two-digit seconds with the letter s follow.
10h56
